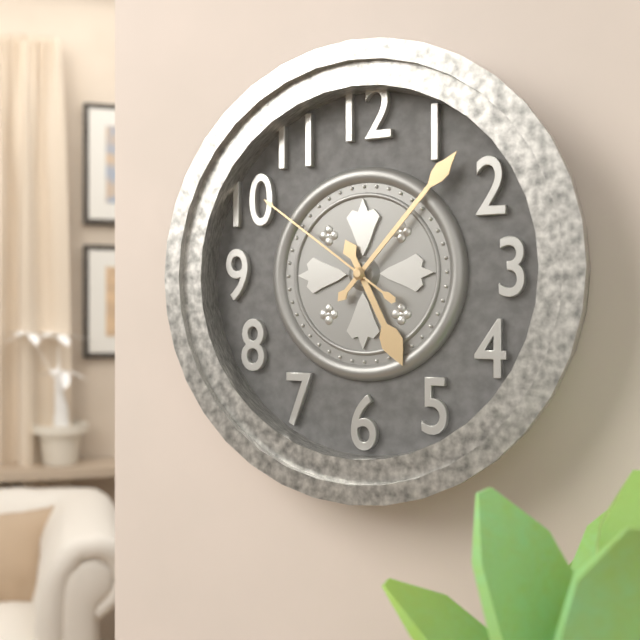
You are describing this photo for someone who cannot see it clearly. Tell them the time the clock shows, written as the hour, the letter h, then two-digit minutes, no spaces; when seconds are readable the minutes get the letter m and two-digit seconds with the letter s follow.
5h07m51s
